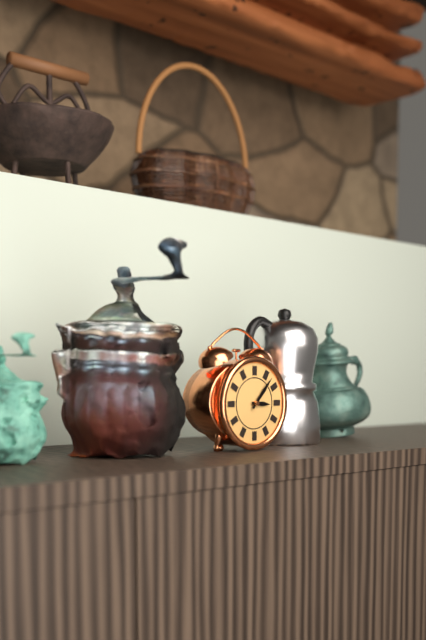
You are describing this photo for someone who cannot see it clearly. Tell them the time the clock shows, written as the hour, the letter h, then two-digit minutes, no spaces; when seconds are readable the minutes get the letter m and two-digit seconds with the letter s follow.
3h07
